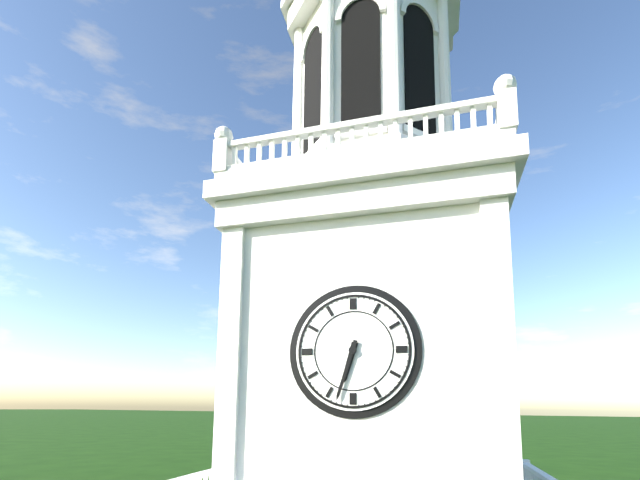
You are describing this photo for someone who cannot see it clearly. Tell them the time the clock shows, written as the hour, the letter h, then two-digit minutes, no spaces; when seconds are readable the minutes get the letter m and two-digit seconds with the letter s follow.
6h33
